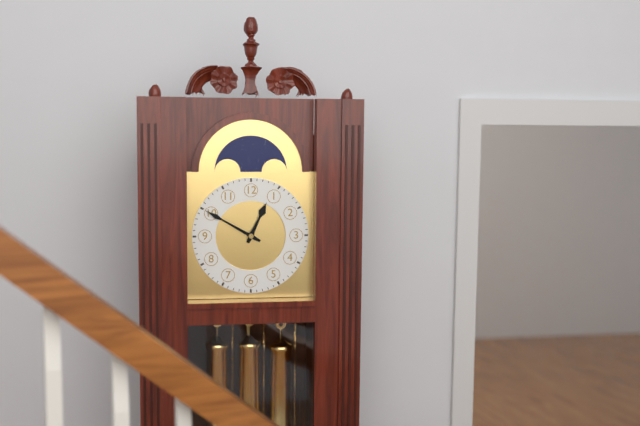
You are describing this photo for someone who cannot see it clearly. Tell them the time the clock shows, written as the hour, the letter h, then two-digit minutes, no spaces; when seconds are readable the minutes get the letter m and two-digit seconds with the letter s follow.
12h50
